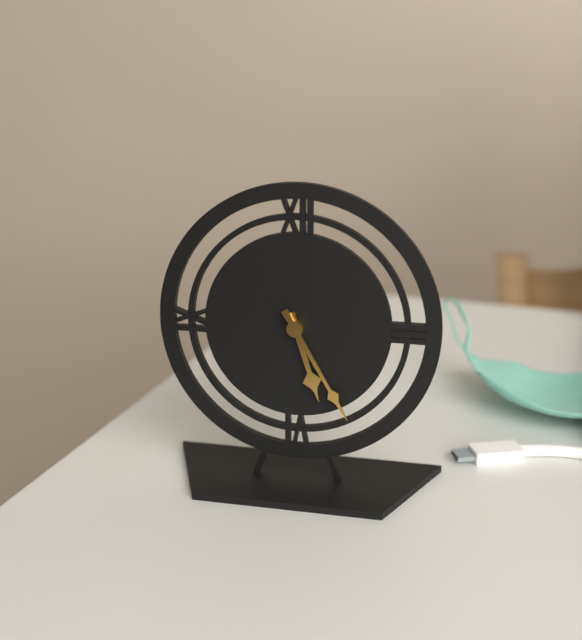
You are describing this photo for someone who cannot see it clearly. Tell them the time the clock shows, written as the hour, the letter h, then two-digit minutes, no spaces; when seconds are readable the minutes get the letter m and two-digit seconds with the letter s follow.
5h25
